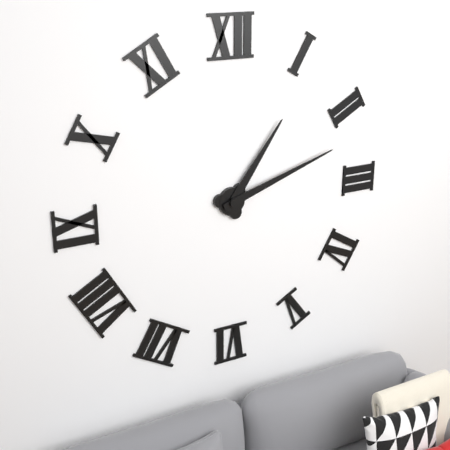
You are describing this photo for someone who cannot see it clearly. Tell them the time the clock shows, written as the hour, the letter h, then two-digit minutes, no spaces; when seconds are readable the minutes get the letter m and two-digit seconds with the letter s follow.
1h12
